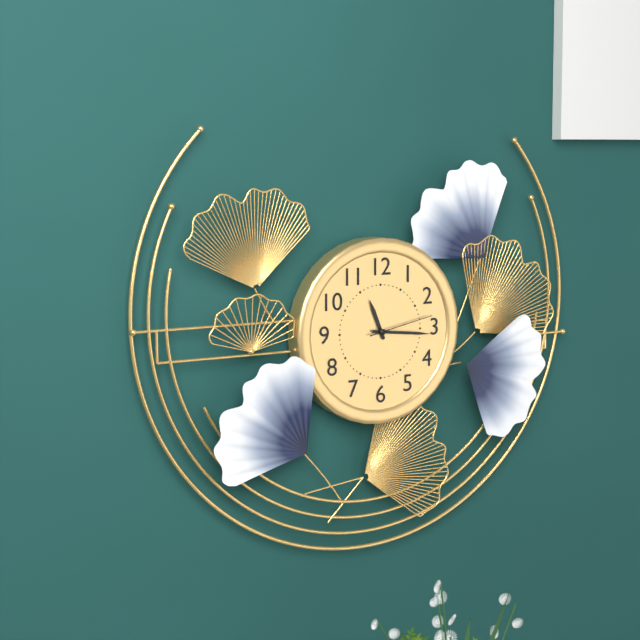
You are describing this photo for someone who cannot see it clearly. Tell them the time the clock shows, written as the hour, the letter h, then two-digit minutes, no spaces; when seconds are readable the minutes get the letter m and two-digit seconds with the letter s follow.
11h16m13s
